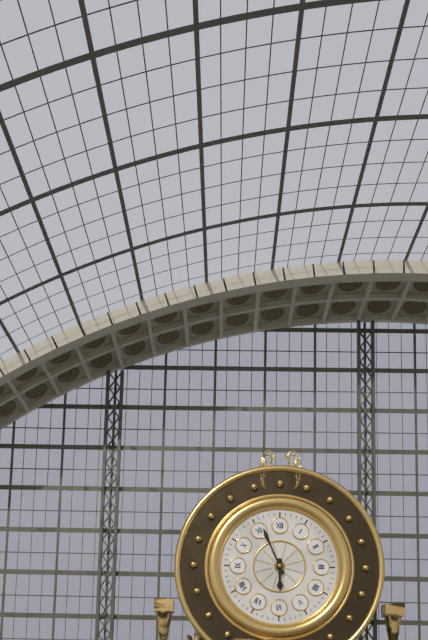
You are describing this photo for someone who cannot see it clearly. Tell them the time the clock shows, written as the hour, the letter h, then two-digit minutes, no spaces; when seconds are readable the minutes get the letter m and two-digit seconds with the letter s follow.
5h56
